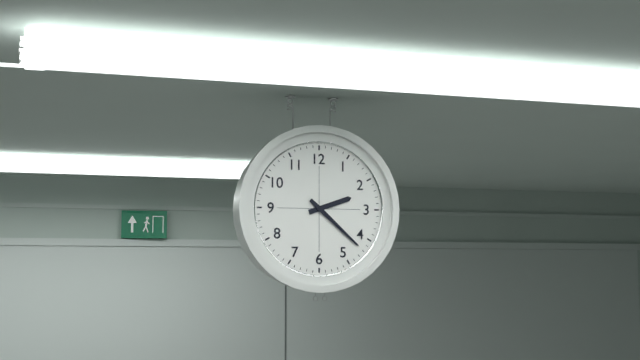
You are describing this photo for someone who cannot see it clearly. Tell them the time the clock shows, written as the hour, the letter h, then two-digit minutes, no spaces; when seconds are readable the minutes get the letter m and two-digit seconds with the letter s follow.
2h22
